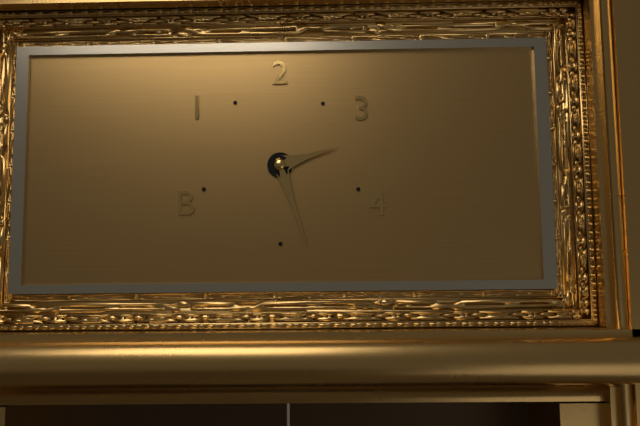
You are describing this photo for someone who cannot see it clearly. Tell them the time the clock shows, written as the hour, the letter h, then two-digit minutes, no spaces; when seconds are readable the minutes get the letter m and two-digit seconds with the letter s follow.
2h27
